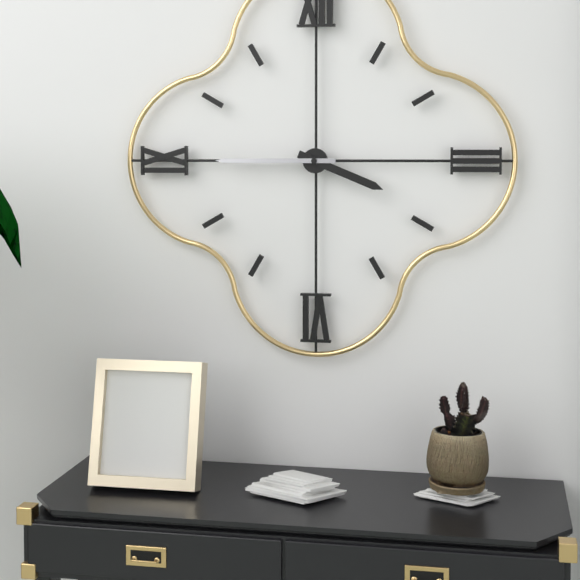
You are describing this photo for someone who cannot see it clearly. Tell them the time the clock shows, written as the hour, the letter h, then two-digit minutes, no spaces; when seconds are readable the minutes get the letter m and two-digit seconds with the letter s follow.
3h45
